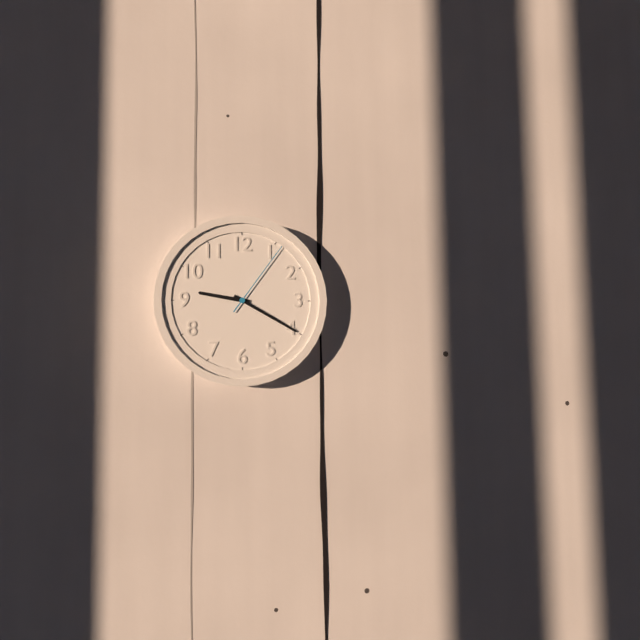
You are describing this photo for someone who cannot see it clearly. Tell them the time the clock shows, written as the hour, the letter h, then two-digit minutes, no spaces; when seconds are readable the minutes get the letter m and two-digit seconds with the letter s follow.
9h20m06s
